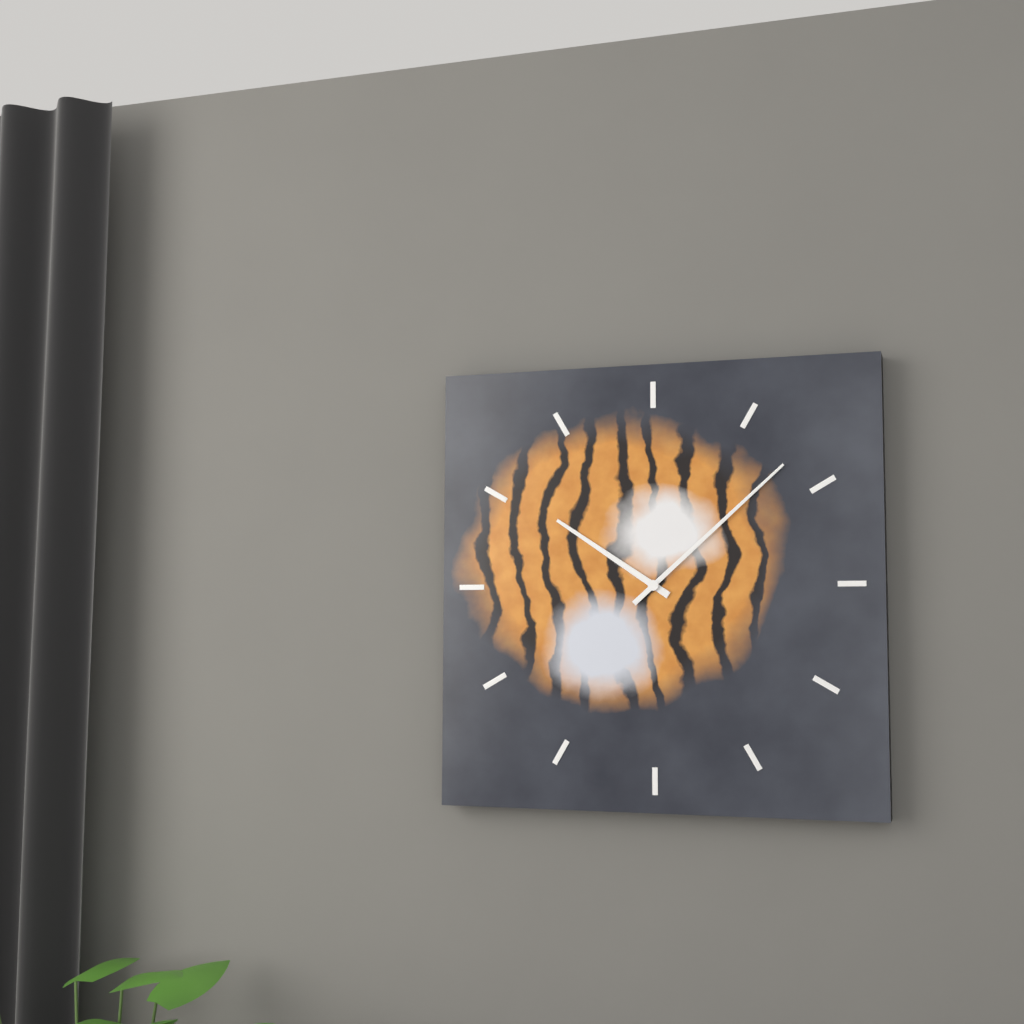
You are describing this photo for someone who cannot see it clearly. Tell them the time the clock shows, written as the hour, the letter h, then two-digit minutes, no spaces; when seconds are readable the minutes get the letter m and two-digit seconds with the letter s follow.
10h08
